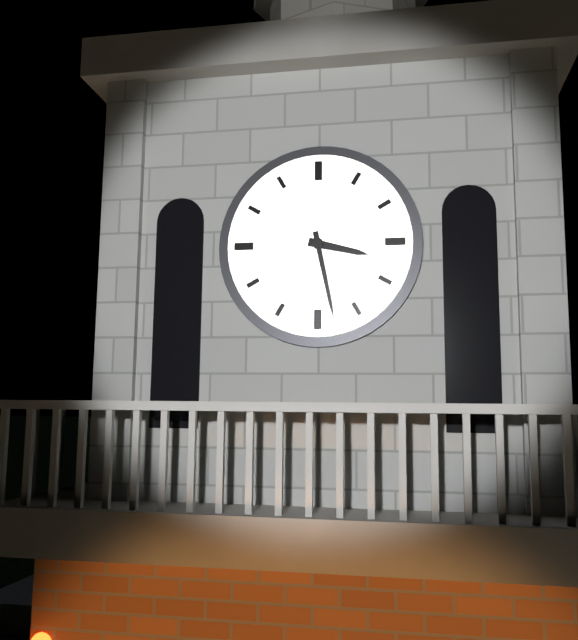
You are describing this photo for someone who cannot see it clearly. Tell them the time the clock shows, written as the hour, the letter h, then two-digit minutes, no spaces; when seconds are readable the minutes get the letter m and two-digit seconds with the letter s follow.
3h28
